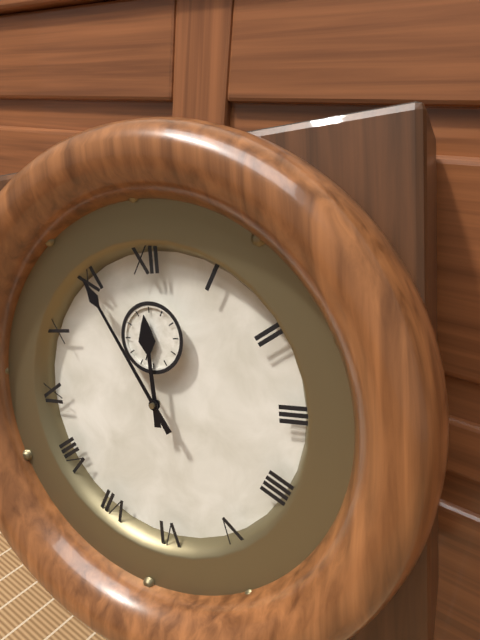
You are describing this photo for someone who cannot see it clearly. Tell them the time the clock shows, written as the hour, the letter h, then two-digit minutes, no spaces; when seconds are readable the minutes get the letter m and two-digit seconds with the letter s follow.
11h55
